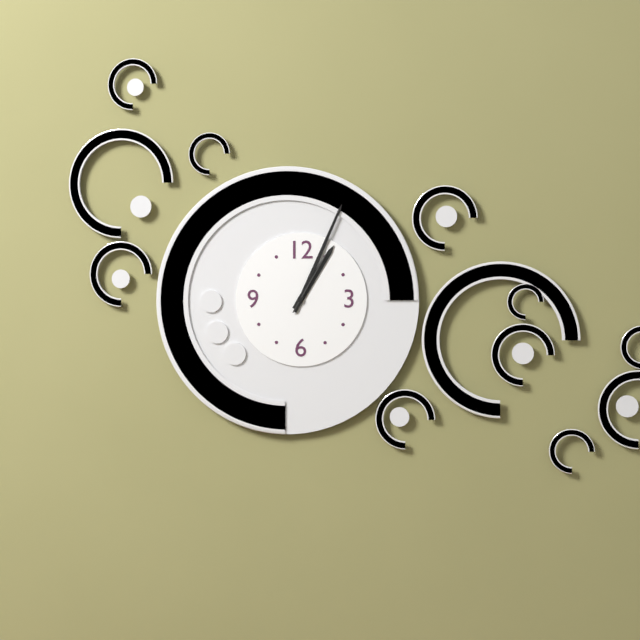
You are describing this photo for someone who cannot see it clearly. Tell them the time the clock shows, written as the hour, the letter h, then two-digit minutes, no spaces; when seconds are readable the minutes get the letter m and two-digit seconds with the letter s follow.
1h04m05s
